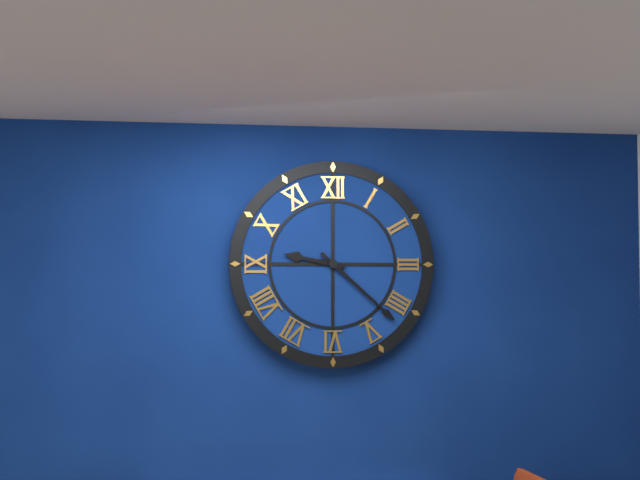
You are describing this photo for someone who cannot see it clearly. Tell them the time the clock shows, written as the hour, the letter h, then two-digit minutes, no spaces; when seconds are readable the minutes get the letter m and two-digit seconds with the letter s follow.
9h22
